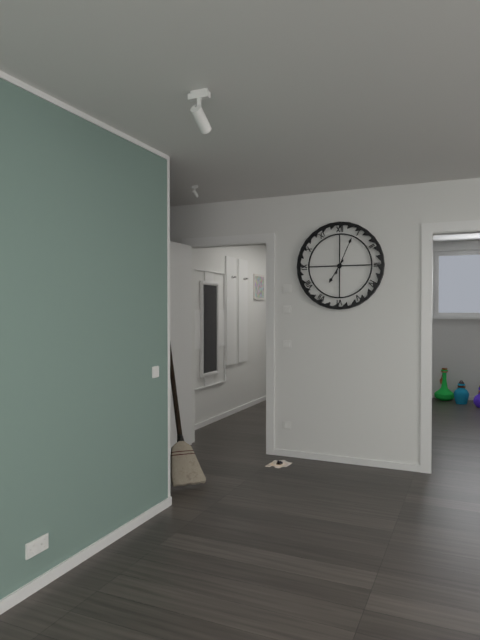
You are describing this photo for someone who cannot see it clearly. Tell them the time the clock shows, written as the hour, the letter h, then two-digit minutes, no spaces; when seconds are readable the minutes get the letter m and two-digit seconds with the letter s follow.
7h04
